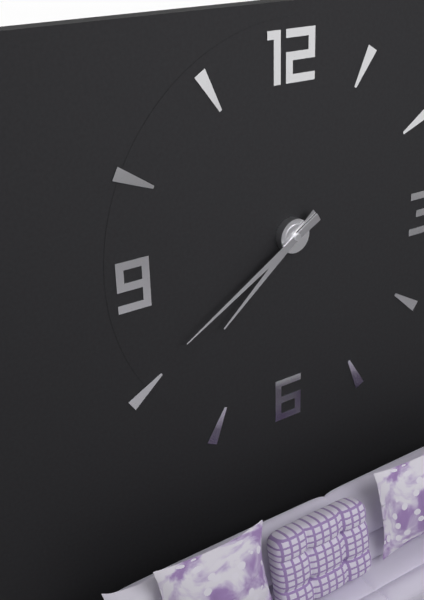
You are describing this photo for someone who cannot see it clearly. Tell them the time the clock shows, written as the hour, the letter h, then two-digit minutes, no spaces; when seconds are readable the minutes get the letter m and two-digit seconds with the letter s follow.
7h40
